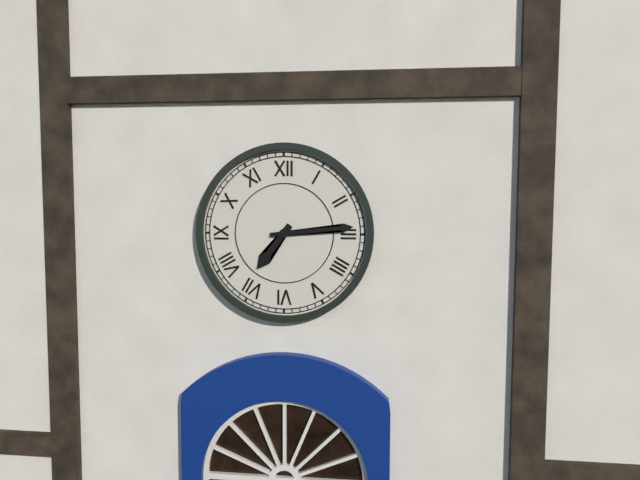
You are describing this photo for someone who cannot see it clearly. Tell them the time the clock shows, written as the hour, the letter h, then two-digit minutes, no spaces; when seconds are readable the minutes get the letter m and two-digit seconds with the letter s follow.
7h14
